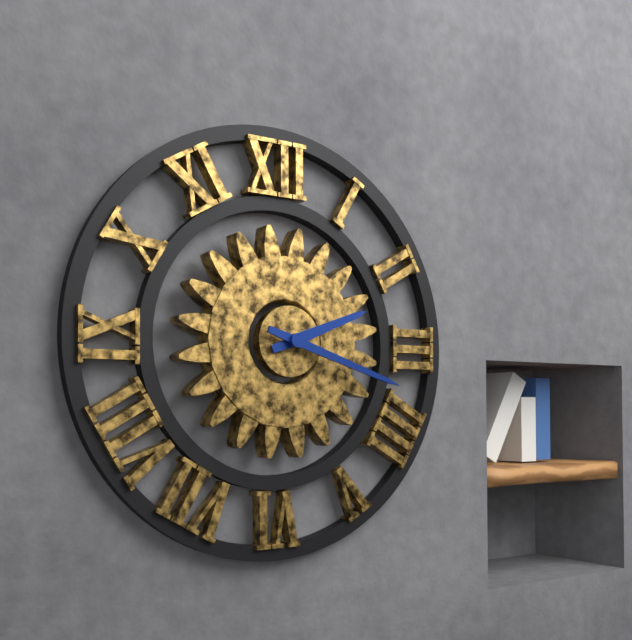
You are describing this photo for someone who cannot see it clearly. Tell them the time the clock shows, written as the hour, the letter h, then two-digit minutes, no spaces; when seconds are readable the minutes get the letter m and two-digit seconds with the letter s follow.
2h18
